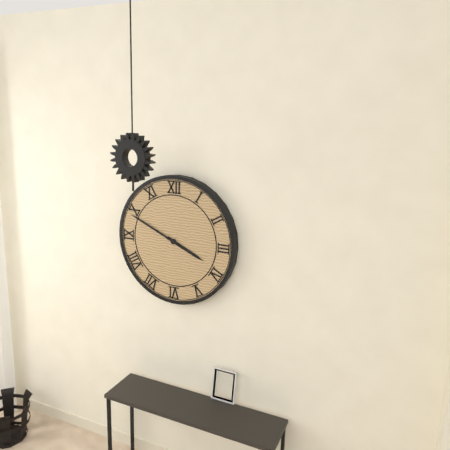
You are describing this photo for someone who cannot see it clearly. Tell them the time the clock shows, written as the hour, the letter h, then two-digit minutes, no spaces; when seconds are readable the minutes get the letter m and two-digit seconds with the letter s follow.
3h49
